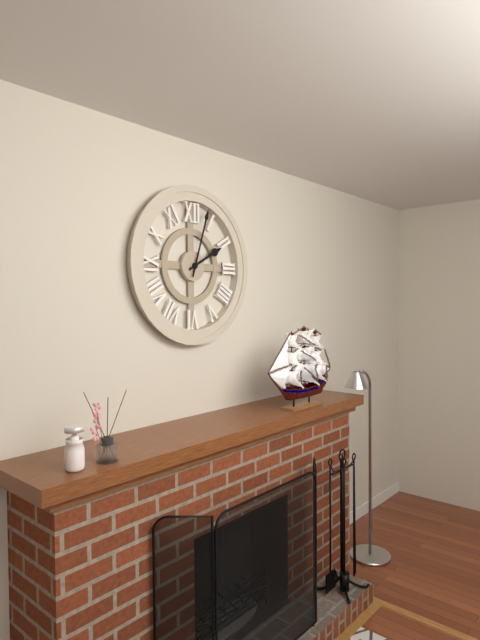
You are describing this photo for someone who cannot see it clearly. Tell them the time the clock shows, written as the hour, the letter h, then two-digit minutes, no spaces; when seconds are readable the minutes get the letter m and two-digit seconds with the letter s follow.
2h03
